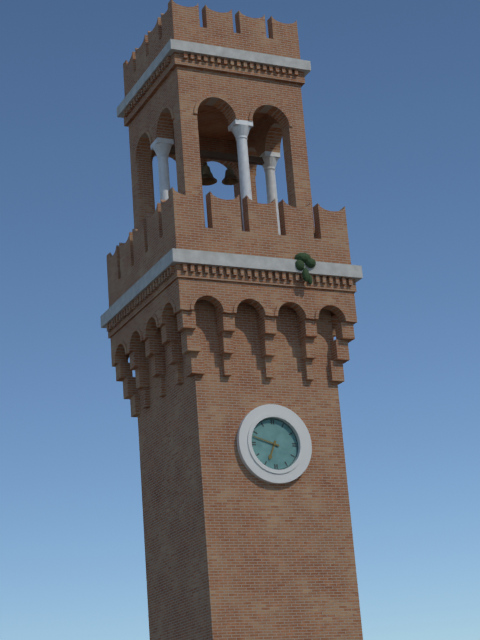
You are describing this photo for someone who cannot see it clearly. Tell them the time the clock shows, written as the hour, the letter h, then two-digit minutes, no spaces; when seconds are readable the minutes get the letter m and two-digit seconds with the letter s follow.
6h48
